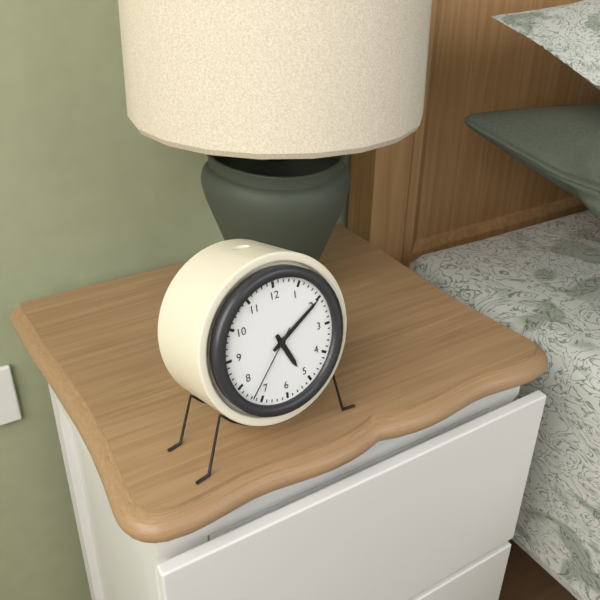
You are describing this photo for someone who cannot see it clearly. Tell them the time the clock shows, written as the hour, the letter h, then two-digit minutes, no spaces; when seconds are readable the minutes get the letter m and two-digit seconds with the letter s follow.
5h10m37s
